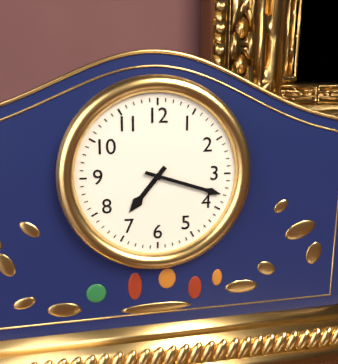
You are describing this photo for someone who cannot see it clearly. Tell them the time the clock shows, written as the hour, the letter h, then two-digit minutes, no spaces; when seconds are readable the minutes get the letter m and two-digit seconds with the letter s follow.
7h18
